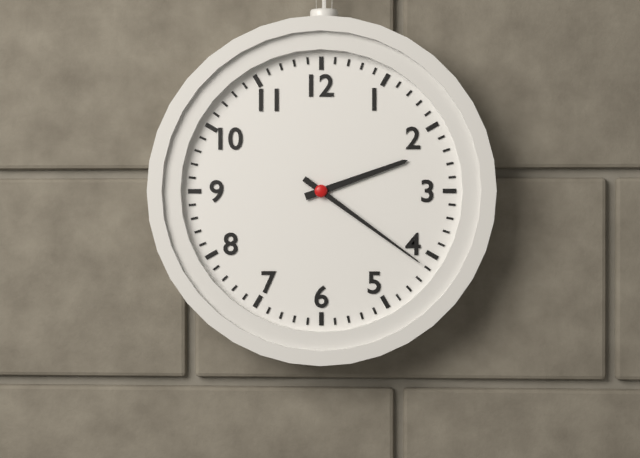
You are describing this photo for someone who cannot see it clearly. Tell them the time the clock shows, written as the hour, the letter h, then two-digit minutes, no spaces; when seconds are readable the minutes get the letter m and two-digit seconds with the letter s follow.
2h21
